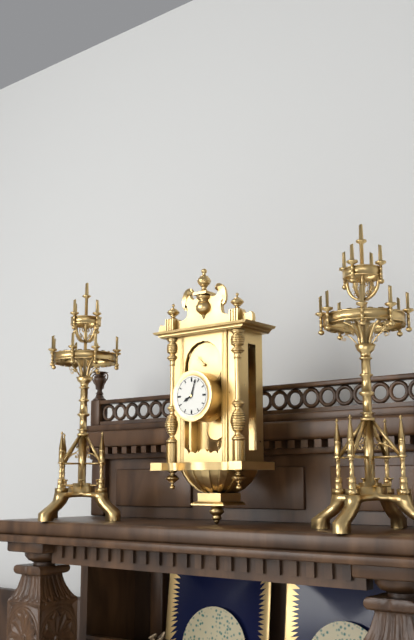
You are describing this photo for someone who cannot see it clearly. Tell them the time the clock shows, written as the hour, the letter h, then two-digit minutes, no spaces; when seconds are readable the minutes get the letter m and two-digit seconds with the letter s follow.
8h03
